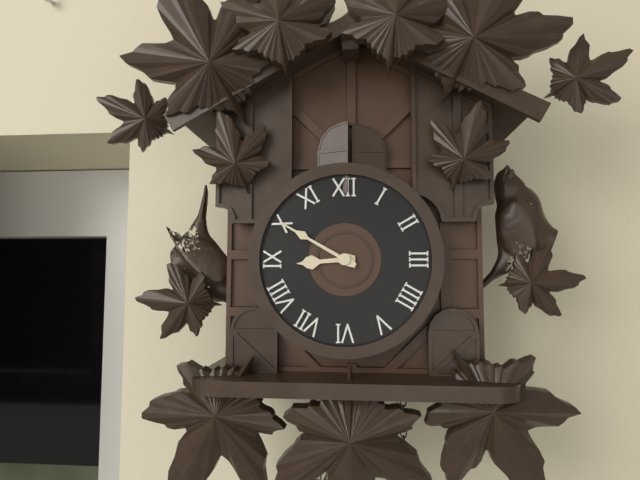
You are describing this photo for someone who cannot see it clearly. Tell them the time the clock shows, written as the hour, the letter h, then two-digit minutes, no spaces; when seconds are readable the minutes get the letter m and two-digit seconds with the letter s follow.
8h50
